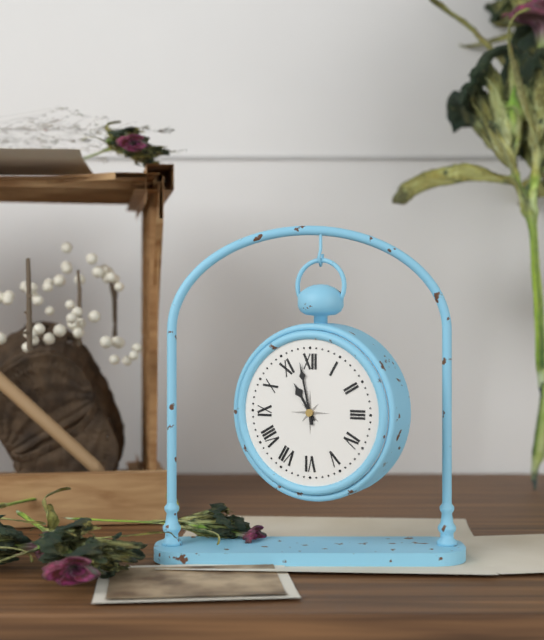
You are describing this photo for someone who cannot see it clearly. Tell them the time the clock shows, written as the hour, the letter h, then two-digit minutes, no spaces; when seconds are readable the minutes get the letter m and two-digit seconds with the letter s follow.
10h58
